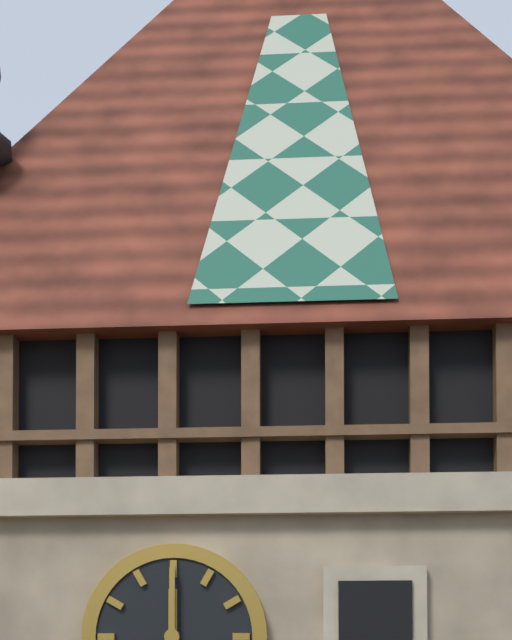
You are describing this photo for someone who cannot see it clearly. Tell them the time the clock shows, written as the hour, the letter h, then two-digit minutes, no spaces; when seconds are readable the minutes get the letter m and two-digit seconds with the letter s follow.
12h00
